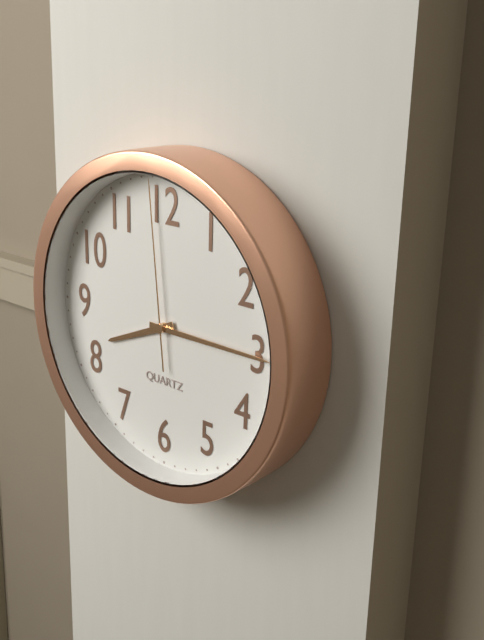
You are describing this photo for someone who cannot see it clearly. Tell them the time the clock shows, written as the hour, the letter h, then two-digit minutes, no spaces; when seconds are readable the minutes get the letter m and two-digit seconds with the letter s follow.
8h15m59s
